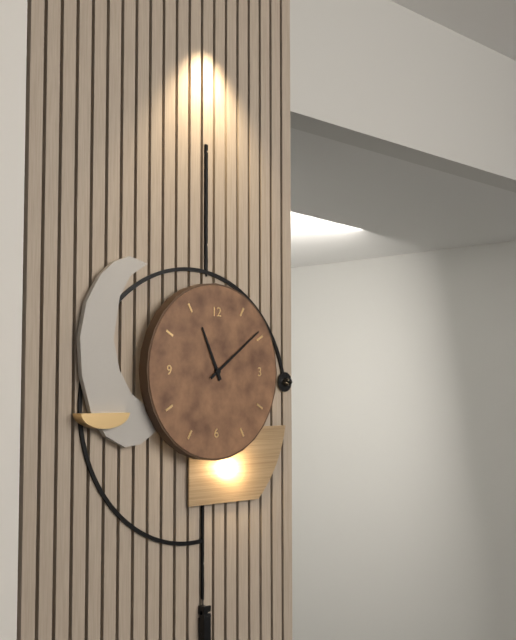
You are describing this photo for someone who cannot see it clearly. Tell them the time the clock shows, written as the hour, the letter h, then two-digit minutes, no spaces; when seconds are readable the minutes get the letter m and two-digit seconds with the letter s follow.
11h09
